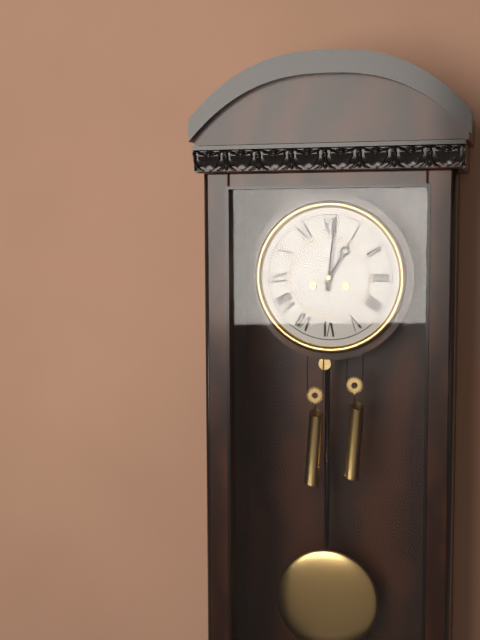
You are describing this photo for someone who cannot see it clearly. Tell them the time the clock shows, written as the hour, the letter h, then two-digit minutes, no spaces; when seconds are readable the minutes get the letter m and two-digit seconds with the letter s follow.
1h01
